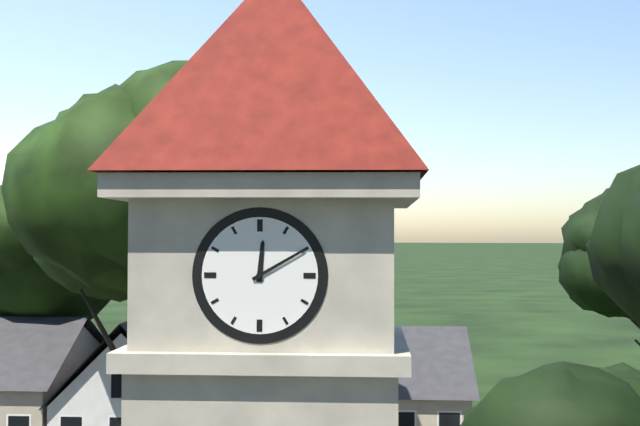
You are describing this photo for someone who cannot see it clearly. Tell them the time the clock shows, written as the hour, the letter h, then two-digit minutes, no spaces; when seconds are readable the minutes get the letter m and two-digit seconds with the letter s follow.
12h10
